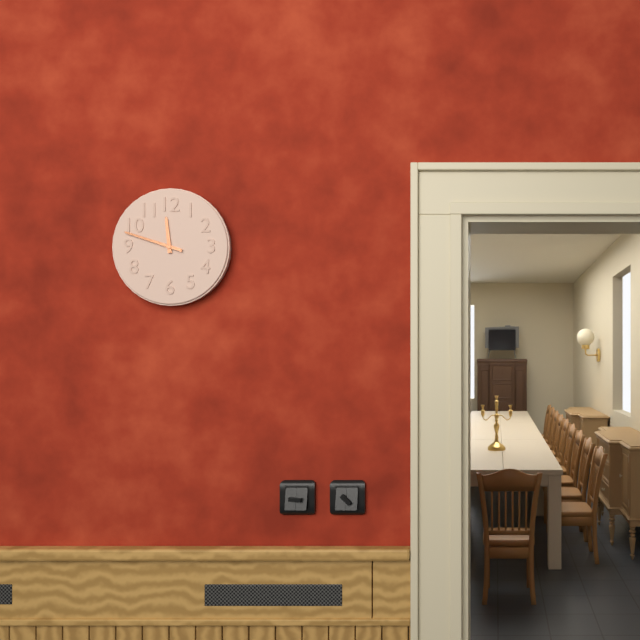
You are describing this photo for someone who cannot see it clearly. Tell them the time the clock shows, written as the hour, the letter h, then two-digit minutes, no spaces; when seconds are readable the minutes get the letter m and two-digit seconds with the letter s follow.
11h48
